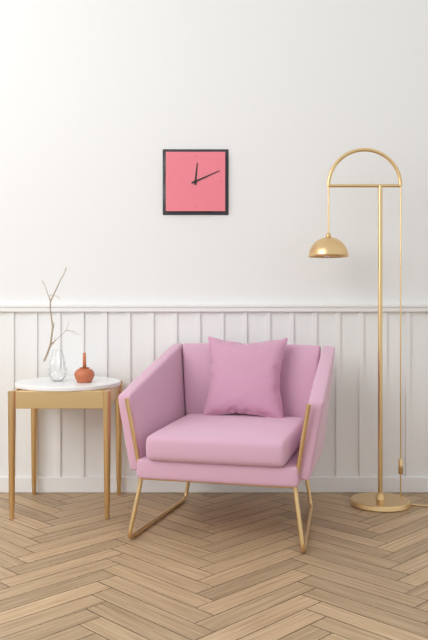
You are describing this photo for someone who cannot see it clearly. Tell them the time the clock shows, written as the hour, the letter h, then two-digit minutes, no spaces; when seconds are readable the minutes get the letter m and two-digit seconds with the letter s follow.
12h11
